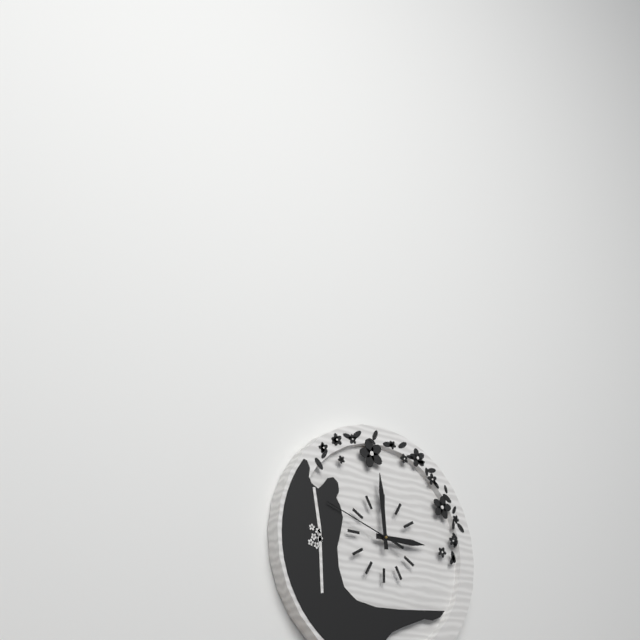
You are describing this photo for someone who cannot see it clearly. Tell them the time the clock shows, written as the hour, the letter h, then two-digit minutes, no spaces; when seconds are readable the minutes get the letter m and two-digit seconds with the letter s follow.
2h59m48s
